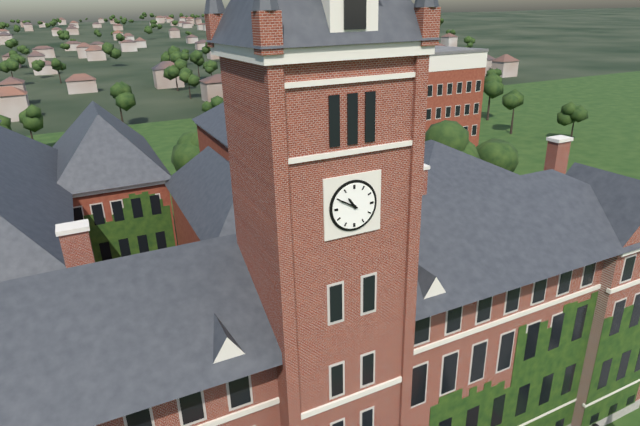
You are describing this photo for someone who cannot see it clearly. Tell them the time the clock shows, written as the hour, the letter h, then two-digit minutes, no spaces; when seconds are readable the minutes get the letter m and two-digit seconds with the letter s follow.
10h50
